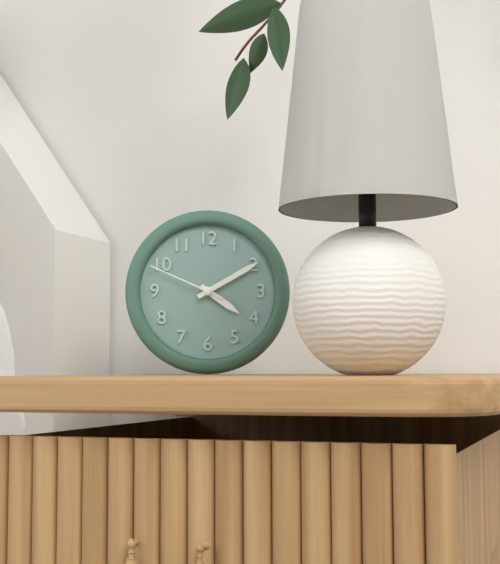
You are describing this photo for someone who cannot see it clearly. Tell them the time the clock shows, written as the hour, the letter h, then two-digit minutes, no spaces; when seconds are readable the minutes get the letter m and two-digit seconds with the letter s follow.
4h10m49s
